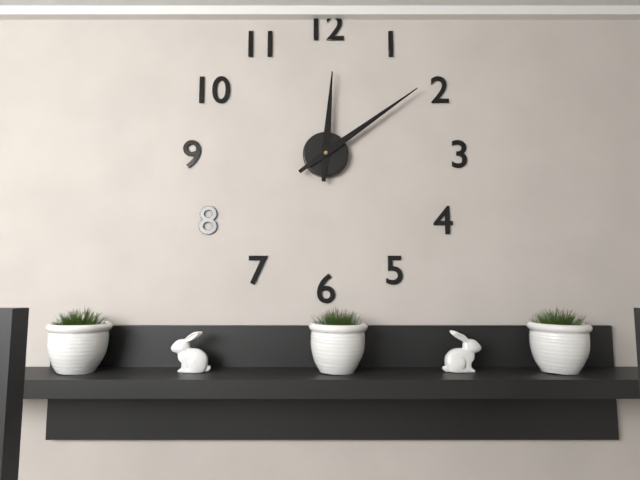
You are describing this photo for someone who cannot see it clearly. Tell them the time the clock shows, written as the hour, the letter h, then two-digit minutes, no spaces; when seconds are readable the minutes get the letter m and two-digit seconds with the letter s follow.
12h09
